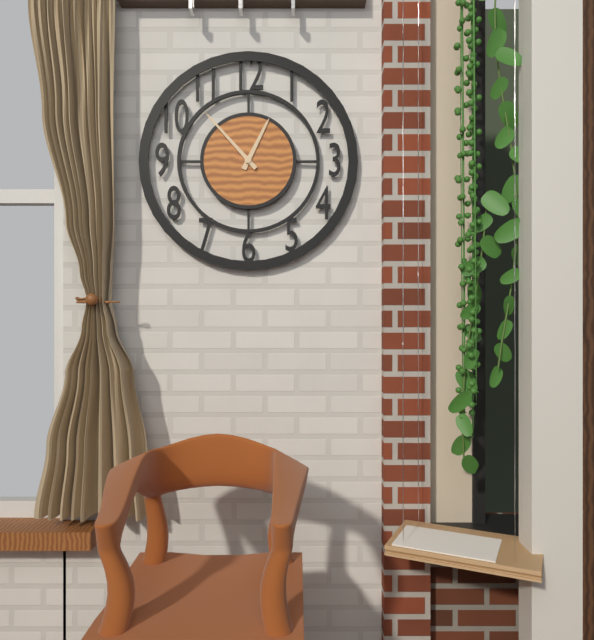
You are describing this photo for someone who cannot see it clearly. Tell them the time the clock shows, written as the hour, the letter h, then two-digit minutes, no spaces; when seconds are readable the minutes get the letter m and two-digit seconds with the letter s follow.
12h53
